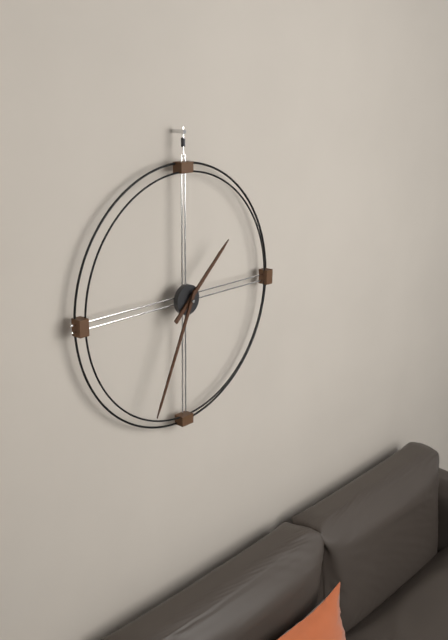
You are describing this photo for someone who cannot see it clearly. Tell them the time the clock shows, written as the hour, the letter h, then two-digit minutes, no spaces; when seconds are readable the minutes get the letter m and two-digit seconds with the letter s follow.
1h34
